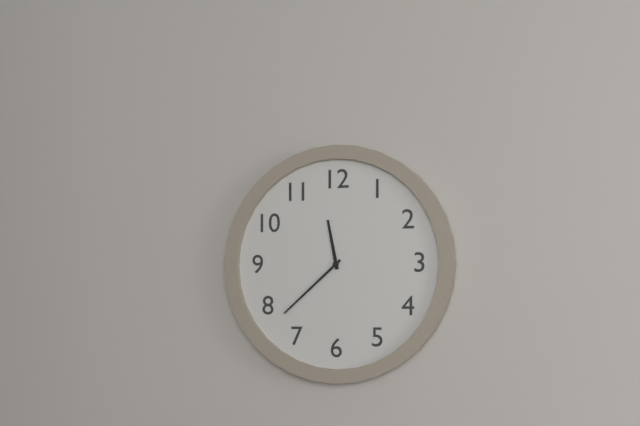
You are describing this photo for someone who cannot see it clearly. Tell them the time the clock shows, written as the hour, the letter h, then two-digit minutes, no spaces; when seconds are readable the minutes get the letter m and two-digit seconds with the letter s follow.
11h38
